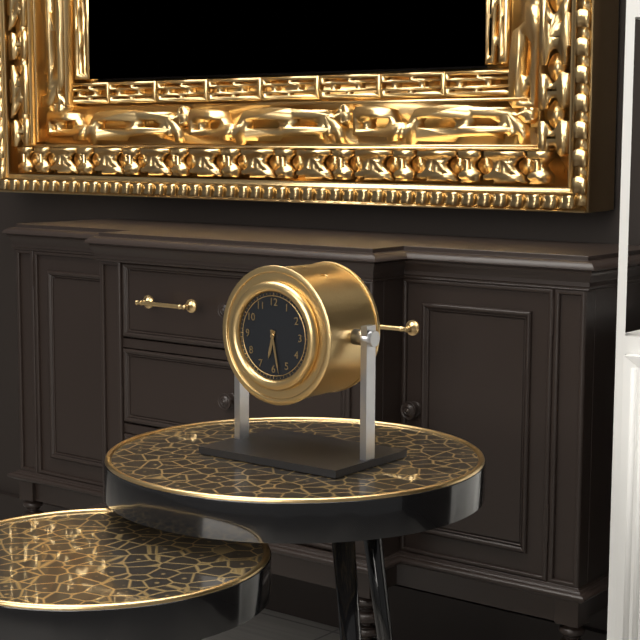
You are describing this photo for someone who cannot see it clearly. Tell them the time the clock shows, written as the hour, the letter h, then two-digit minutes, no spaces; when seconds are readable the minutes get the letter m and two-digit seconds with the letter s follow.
6h28
